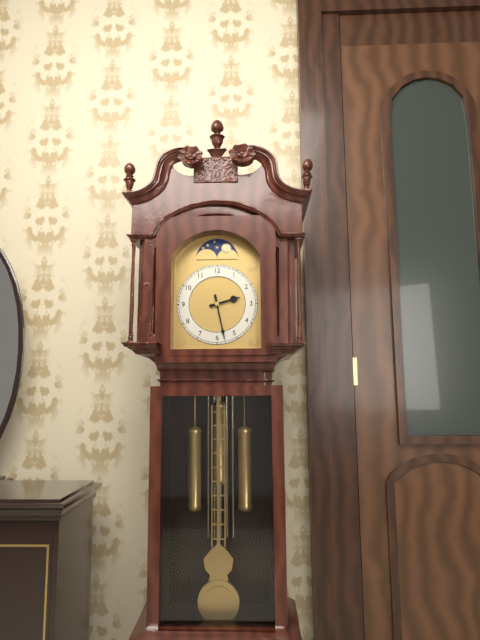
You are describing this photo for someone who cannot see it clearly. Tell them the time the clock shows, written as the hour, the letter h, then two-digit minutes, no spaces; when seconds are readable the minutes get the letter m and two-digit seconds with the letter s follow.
2h28
